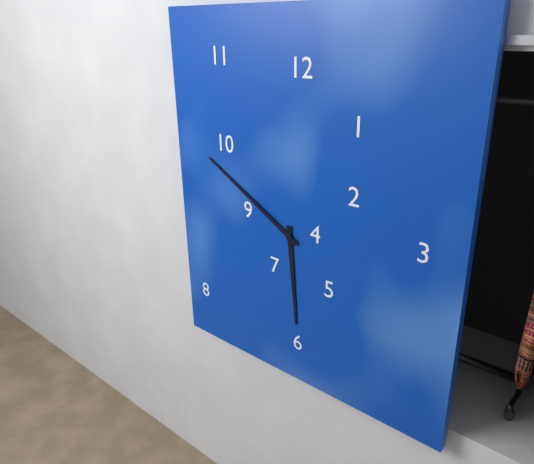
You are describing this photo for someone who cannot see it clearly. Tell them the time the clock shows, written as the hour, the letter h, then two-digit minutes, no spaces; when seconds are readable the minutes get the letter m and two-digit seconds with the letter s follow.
5h50
